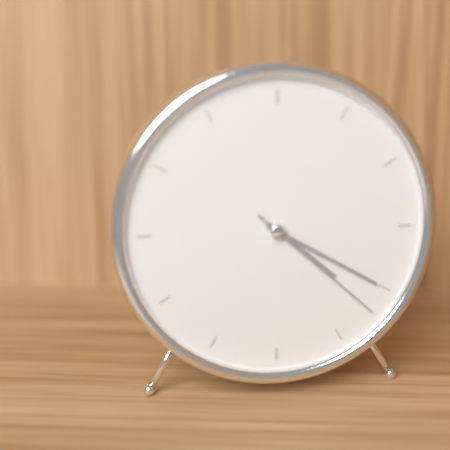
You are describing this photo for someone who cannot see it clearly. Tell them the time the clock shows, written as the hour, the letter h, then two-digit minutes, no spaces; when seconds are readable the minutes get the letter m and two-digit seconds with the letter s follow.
4h20m22s
